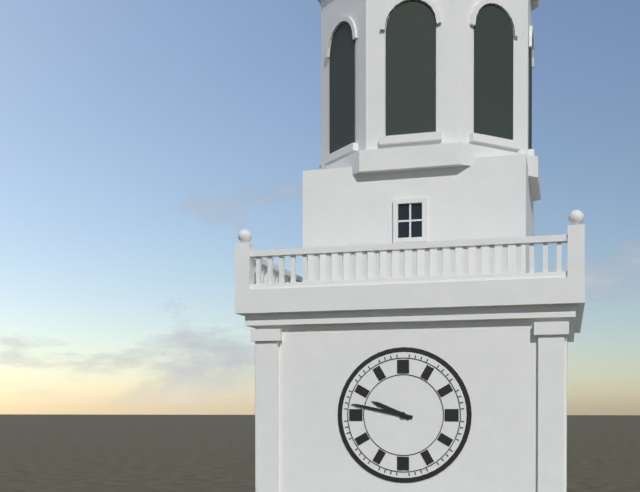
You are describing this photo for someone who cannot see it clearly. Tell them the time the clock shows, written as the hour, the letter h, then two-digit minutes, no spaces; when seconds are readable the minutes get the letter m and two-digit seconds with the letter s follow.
9h47
